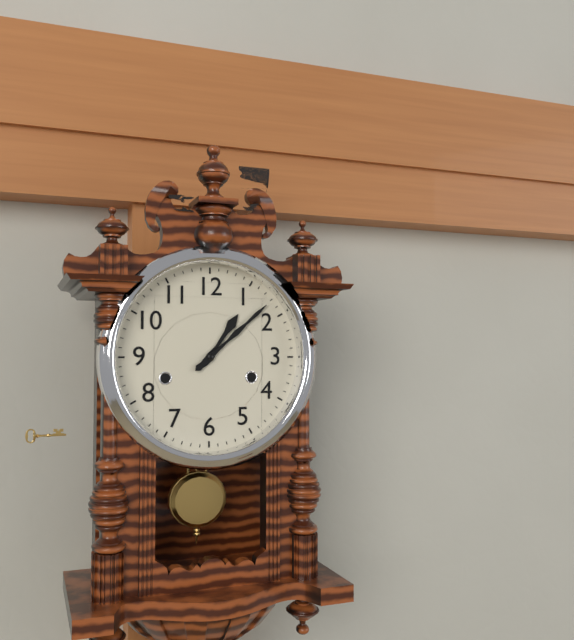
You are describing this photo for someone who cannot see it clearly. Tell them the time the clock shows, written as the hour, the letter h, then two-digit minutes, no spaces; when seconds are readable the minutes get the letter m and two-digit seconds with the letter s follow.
1h08
